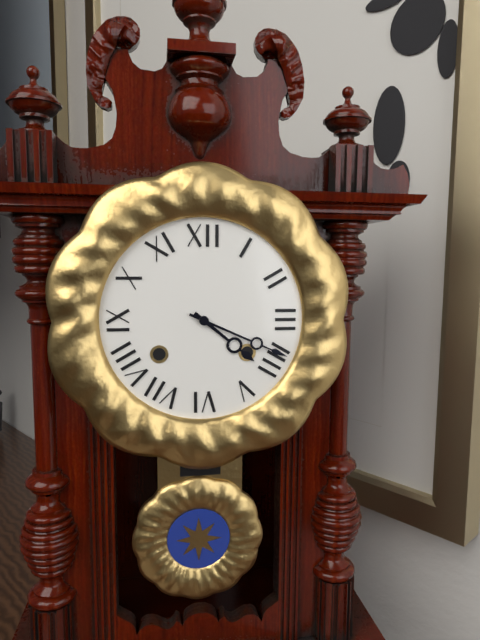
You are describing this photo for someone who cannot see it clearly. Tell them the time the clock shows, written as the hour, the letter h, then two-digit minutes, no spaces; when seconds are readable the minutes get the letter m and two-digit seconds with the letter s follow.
4h19
